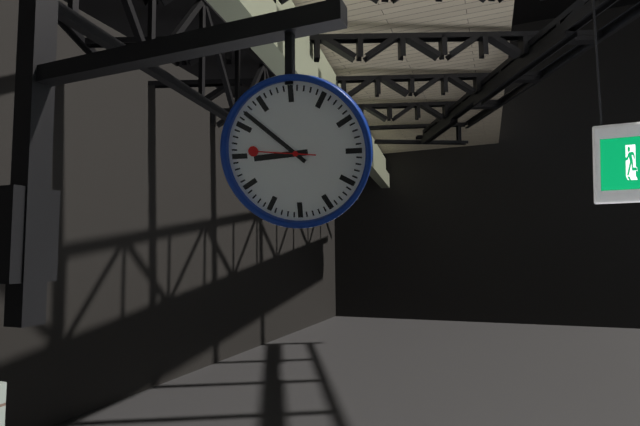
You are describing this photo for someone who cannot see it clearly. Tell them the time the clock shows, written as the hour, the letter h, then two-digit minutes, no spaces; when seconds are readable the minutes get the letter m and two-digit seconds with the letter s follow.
8h52m46s
